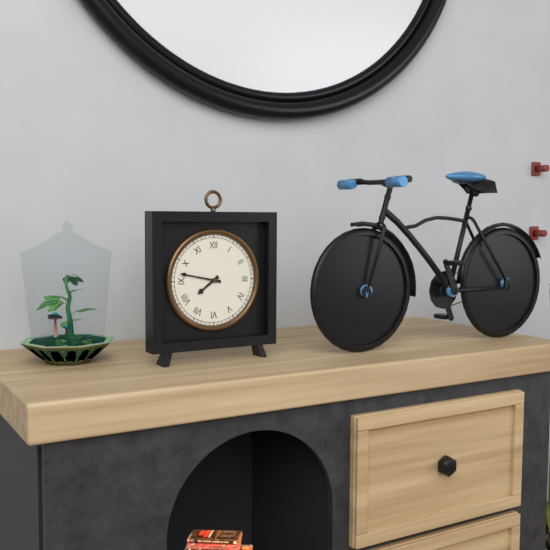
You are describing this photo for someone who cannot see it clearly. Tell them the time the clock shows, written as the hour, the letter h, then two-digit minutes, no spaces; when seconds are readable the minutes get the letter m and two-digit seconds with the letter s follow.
7h47
